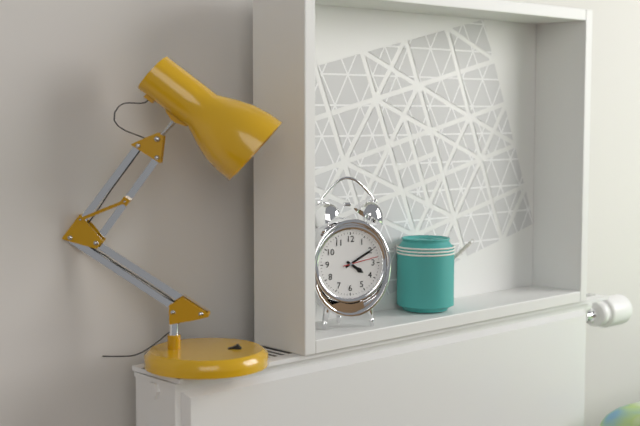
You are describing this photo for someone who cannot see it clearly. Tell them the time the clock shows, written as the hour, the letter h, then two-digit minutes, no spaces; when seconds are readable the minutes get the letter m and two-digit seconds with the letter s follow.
4h10
